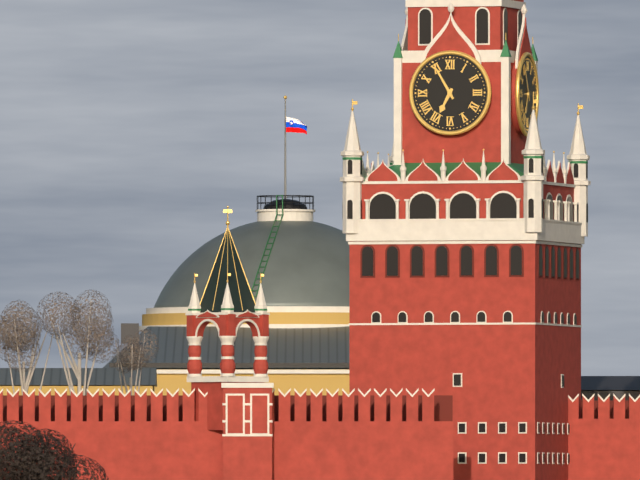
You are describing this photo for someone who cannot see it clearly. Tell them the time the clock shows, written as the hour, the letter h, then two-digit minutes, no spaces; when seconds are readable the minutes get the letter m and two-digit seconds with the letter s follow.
6h55
